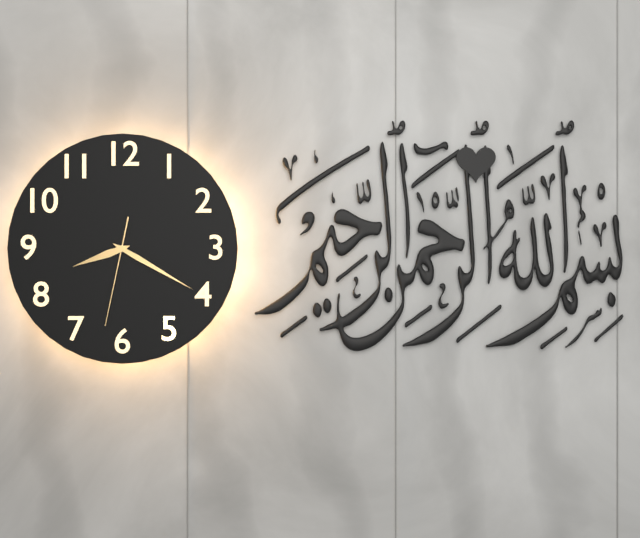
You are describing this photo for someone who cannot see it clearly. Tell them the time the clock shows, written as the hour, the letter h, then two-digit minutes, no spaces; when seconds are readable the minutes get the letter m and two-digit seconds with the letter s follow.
8h20m32s
